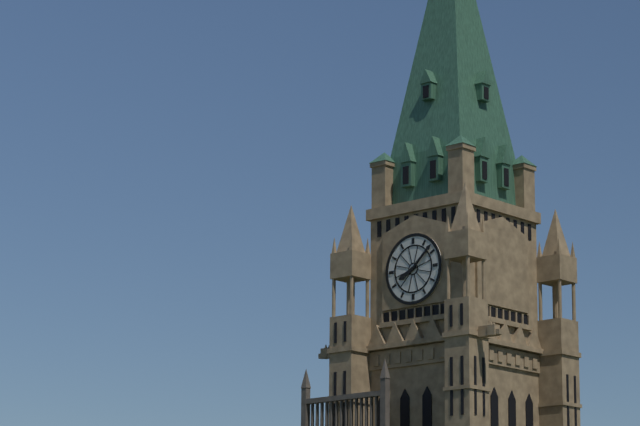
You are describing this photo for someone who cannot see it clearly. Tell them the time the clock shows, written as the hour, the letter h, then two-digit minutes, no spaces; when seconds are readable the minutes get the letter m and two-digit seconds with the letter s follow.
8h08
